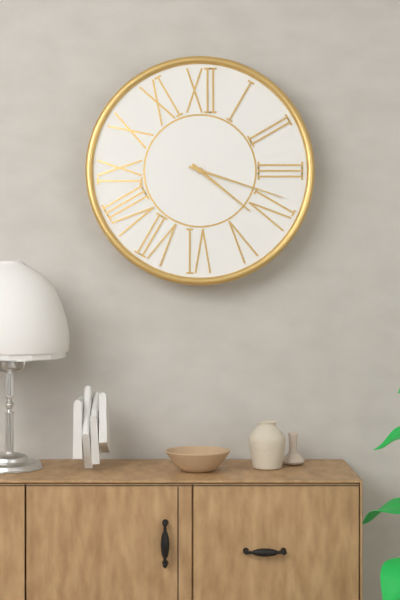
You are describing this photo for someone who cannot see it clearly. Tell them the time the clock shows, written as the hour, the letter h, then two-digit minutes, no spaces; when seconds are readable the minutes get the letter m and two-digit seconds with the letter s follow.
4h18
